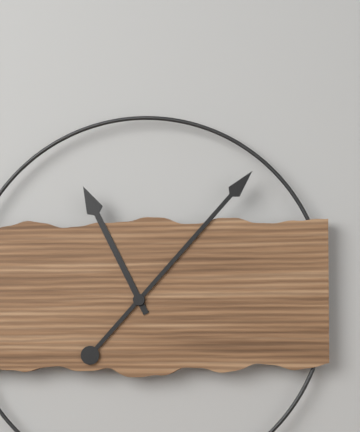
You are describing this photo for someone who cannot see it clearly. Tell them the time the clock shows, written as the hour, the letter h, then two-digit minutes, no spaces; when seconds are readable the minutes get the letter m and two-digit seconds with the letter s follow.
11h07
